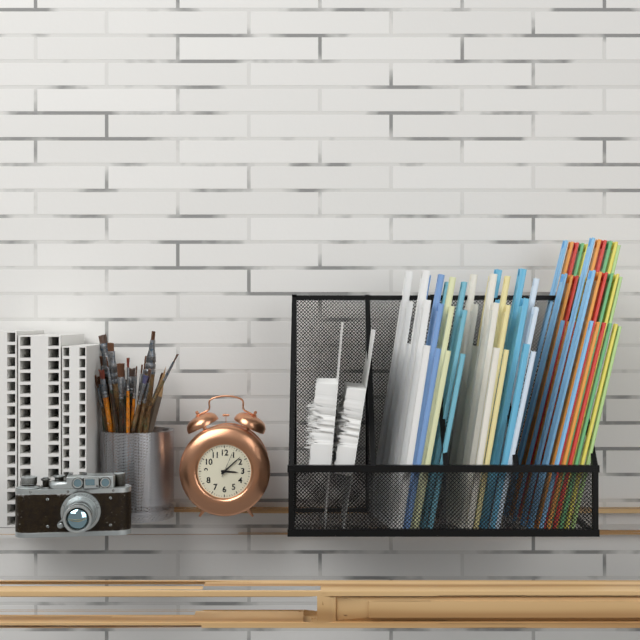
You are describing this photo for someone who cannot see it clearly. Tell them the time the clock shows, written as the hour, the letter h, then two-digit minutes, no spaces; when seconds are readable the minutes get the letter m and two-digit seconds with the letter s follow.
3h08
